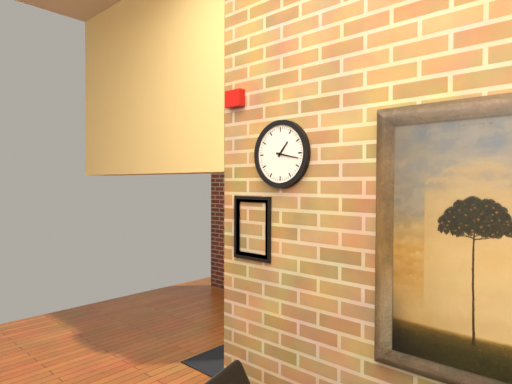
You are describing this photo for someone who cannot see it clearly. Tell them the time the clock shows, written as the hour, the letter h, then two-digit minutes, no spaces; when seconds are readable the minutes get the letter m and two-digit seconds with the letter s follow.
1h17
